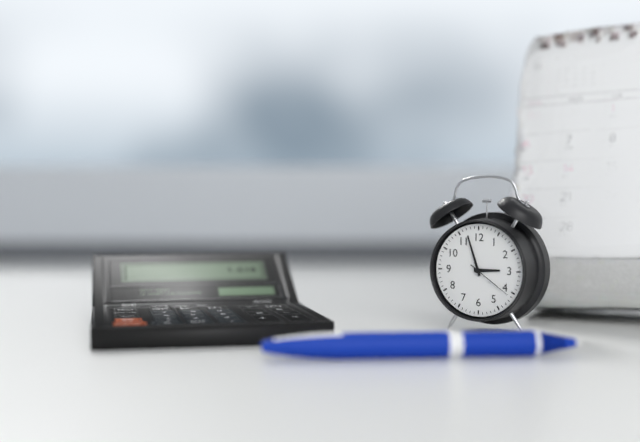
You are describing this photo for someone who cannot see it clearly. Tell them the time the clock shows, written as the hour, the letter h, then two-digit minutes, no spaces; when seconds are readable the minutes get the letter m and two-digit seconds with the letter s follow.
2h57
